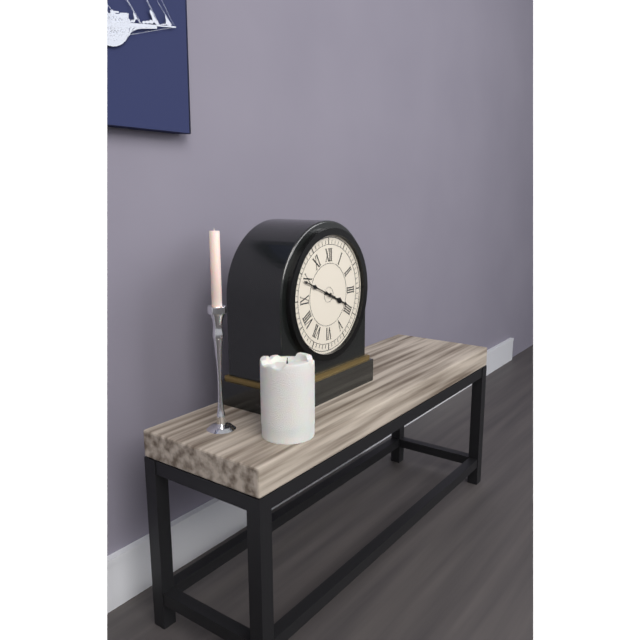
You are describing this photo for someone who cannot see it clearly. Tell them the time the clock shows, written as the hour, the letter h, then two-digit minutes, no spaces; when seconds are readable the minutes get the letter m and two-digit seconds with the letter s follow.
3h49
